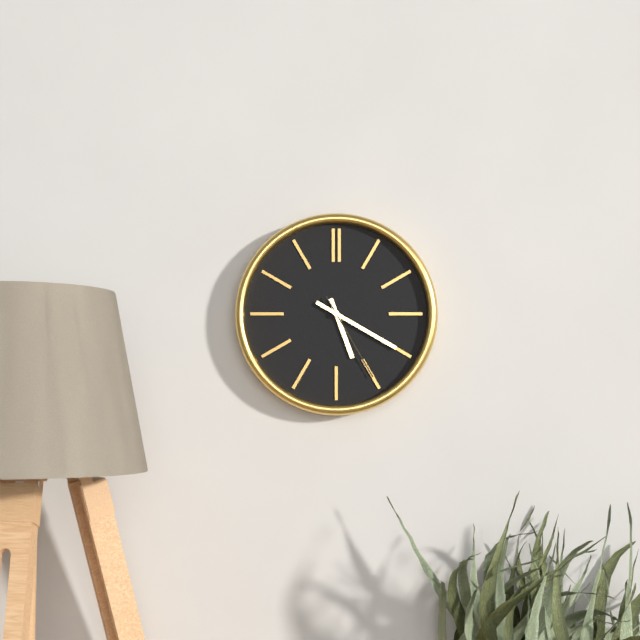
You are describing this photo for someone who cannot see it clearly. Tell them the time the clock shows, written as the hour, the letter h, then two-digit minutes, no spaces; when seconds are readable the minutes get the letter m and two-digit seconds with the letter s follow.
5h20m25s
